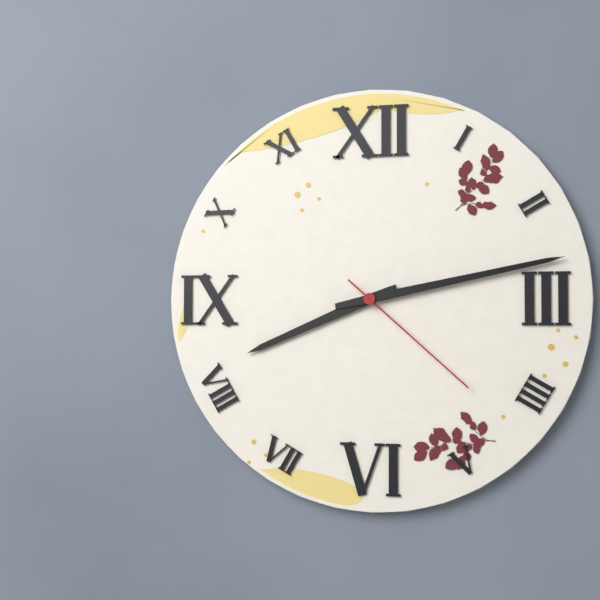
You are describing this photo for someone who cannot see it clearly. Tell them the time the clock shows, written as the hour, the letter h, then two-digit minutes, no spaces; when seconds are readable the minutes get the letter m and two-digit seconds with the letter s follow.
8h13m22s
